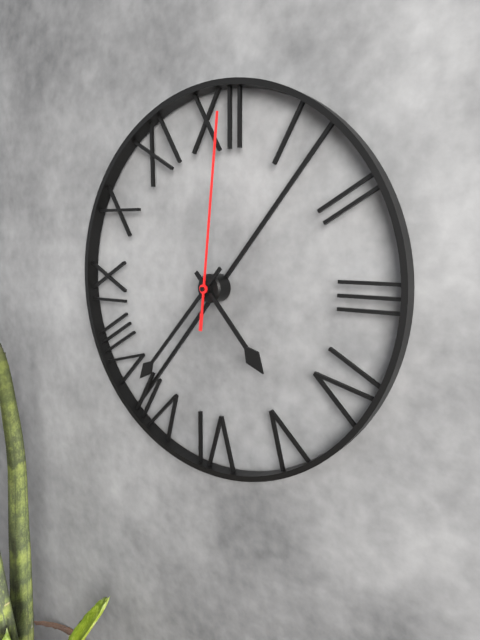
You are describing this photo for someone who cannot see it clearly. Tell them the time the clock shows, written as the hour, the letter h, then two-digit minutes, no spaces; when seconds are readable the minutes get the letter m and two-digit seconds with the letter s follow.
4h37m01s
